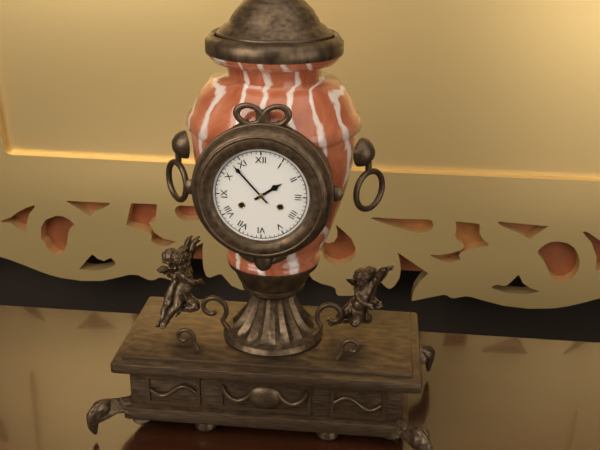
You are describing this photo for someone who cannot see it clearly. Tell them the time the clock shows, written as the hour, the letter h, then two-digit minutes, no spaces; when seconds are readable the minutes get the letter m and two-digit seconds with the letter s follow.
1h53
